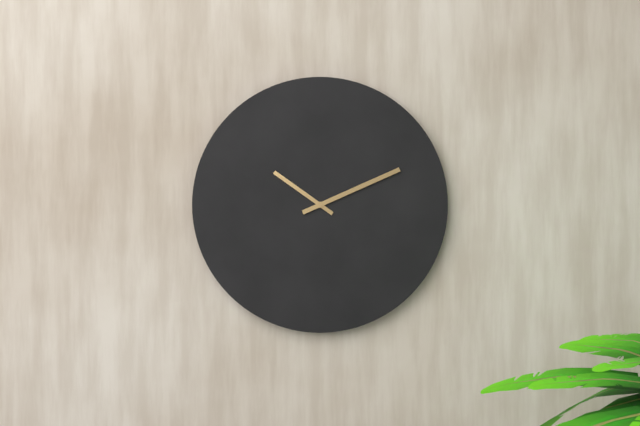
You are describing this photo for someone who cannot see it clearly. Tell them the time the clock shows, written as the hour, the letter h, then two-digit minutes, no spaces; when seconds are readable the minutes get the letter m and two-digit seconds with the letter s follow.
10h11
